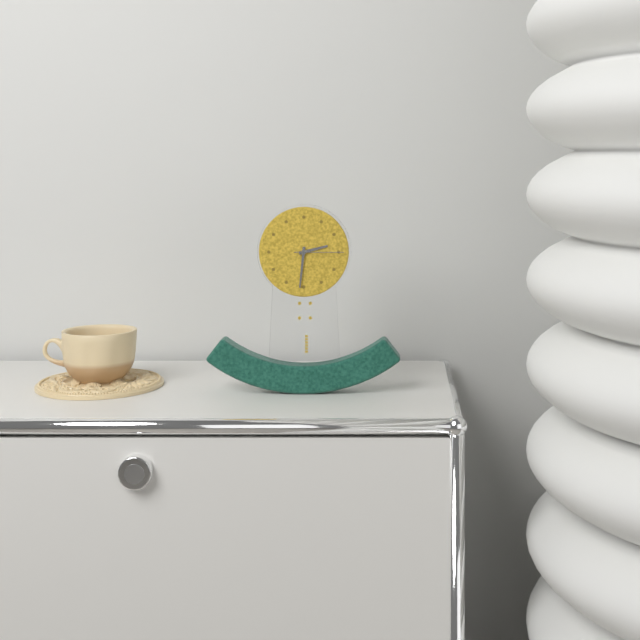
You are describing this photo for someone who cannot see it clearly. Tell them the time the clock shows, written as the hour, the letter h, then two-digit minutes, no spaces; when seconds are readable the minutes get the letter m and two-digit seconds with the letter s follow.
2h31m15s
